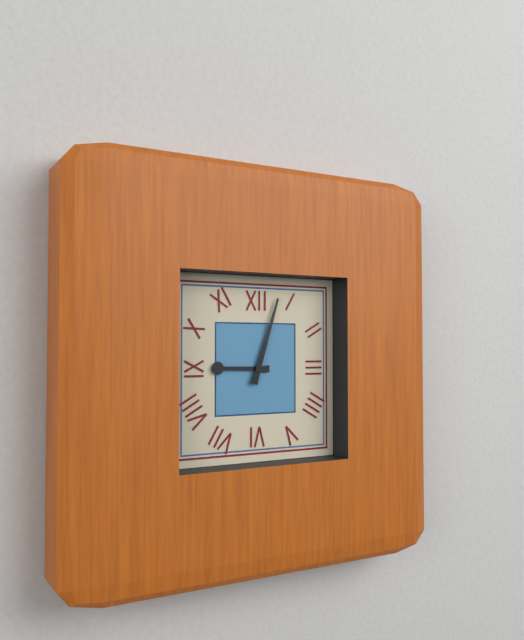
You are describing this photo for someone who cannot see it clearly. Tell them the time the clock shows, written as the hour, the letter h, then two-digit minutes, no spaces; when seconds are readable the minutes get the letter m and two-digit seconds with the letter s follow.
9h03
